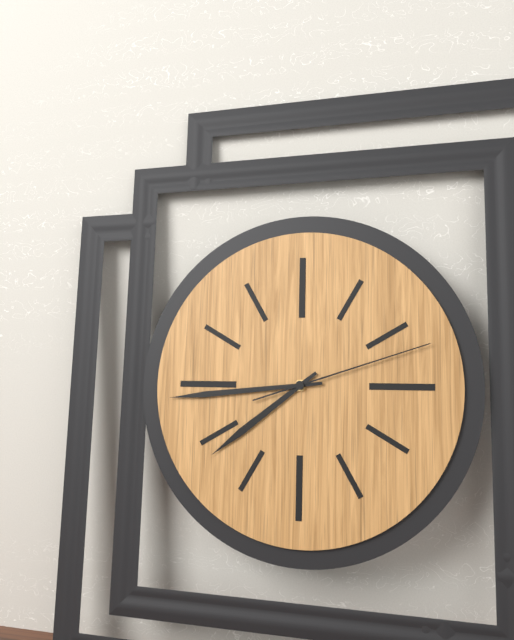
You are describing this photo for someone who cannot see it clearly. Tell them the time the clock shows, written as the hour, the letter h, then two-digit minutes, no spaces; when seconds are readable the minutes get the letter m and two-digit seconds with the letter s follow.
7h44m12s
